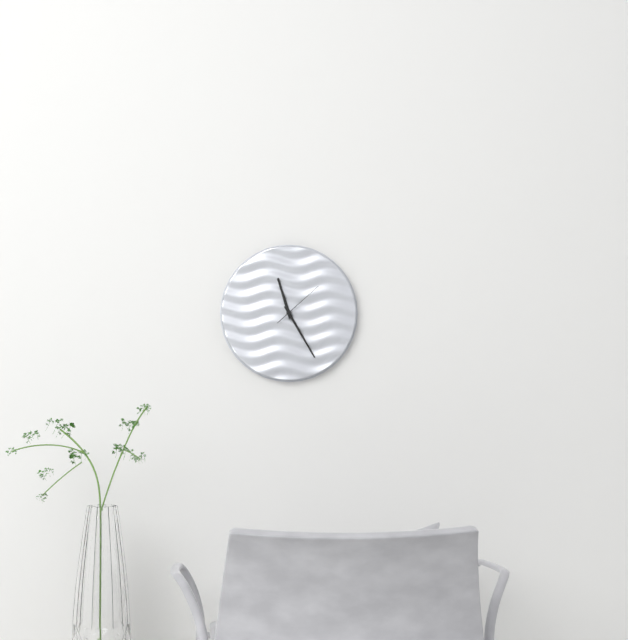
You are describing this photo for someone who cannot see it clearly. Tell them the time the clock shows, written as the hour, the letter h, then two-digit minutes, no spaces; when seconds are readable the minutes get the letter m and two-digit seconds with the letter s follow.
11h25
